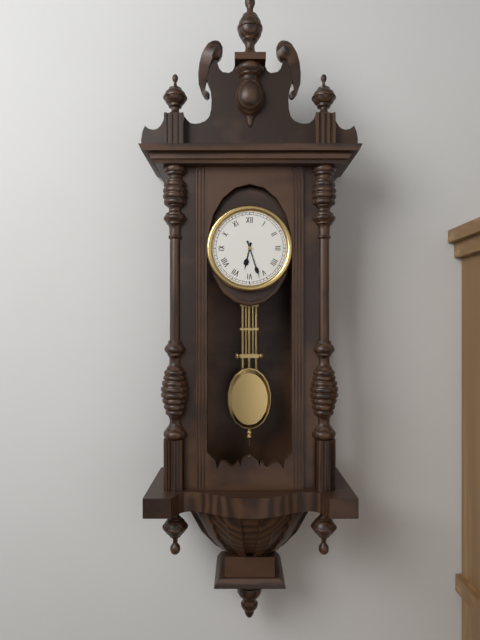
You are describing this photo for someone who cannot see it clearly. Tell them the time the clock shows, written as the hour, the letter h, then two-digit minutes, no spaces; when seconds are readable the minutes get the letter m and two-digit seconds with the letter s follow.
6h27
